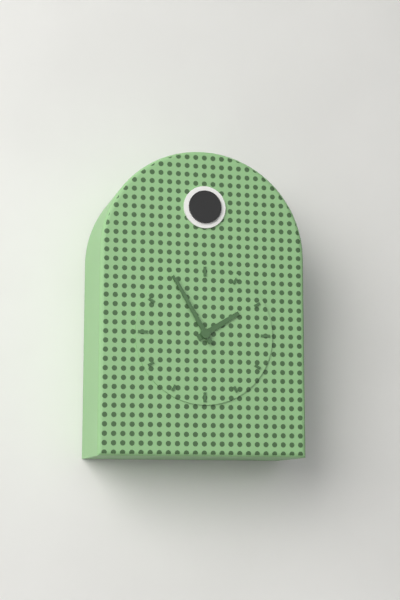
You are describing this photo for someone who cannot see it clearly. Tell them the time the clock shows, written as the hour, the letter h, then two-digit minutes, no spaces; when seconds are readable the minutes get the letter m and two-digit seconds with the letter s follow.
1h55
